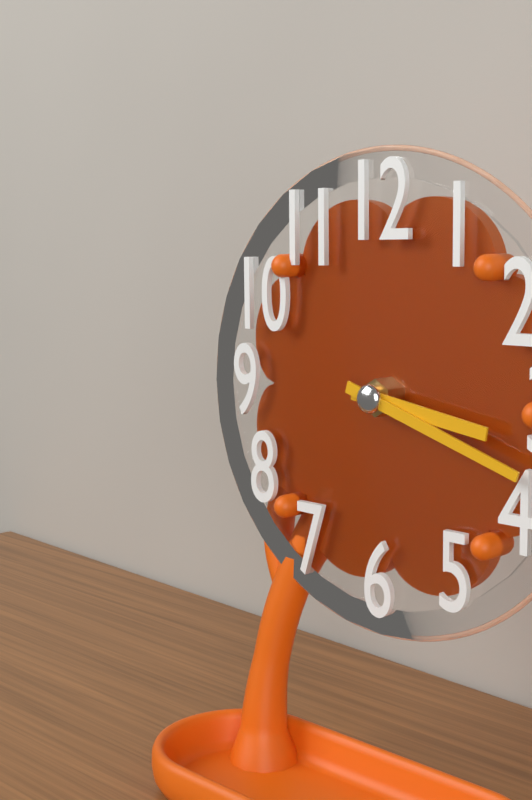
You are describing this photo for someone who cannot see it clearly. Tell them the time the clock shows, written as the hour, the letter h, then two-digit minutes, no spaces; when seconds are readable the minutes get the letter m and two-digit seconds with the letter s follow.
3h18
